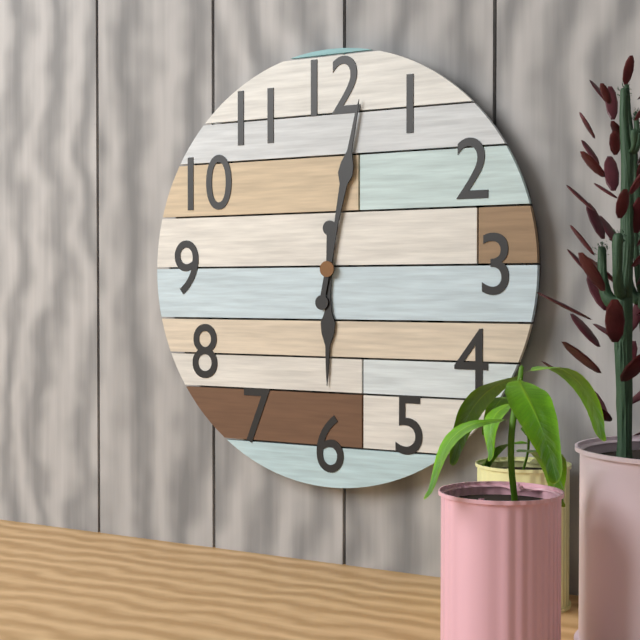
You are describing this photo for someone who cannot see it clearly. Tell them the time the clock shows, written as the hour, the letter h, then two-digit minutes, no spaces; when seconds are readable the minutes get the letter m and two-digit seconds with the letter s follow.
6h02
